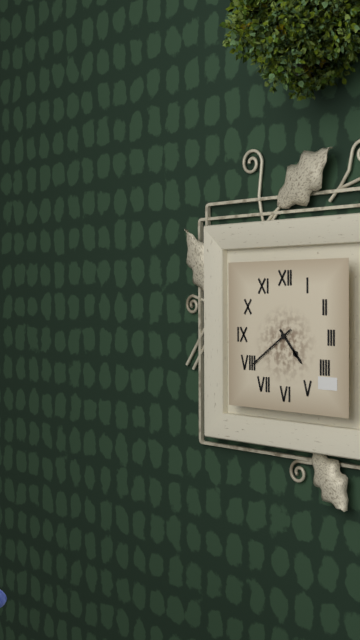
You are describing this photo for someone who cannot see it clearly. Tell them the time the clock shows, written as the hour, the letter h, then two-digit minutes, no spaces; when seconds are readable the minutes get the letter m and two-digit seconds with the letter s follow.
4h39
